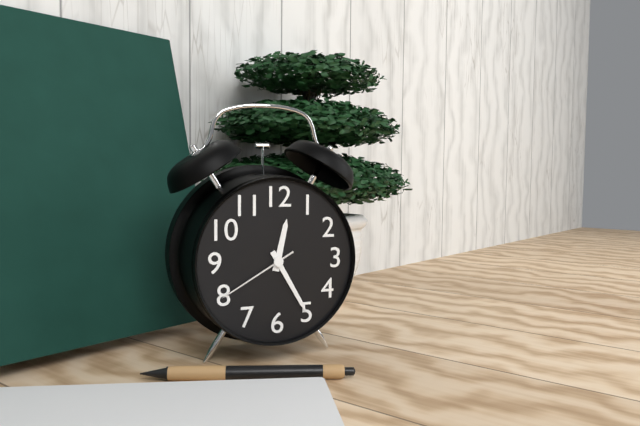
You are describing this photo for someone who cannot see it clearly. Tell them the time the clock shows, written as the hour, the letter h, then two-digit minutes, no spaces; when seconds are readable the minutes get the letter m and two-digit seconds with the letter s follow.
12h25m40s
